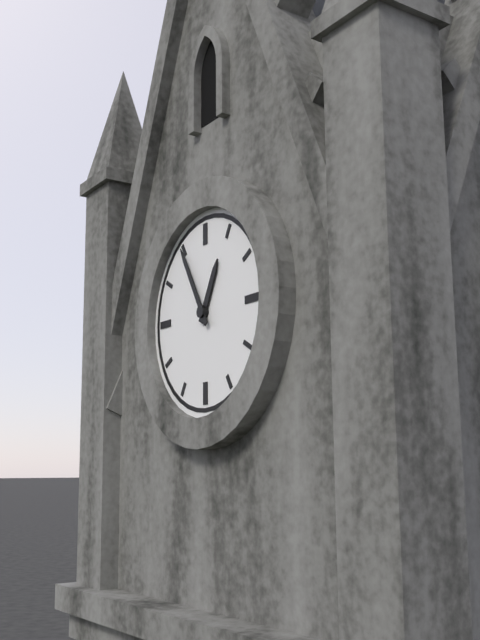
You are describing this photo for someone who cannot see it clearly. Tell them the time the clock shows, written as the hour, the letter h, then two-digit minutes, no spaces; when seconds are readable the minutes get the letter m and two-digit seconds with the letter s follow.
12h55
